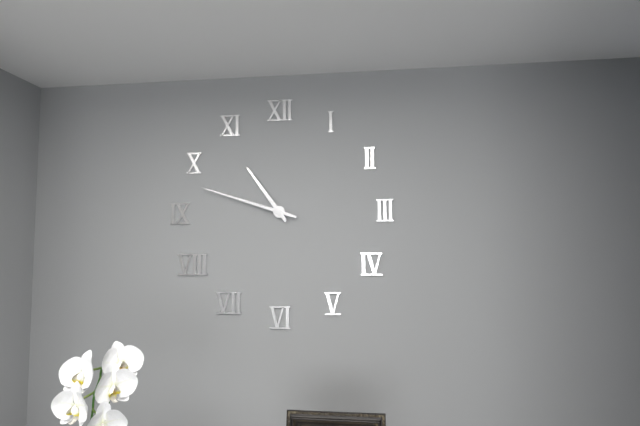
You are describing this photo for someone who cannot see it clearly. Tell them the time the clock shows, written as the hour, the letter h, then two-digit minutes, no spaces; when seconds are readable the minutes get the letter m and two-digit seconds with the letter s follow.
10h48
